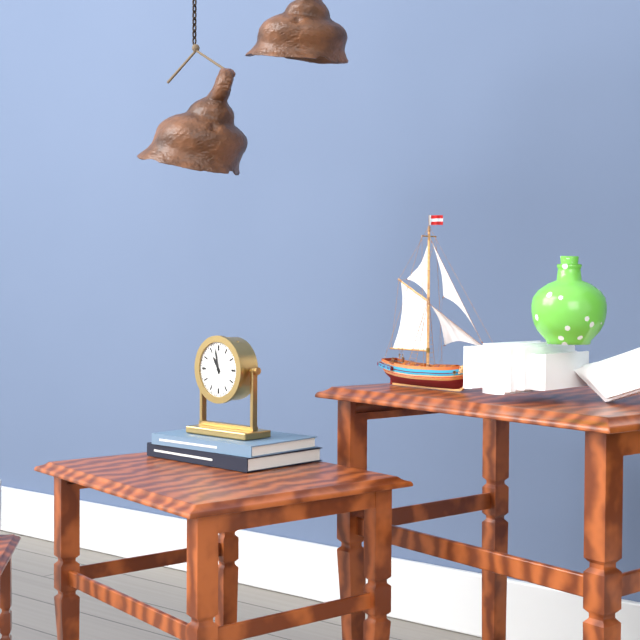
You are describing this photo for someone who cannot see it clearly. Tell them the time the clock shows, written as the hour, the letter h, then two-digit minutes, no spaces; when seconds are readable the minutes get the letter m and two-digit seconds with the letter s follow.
10h58
